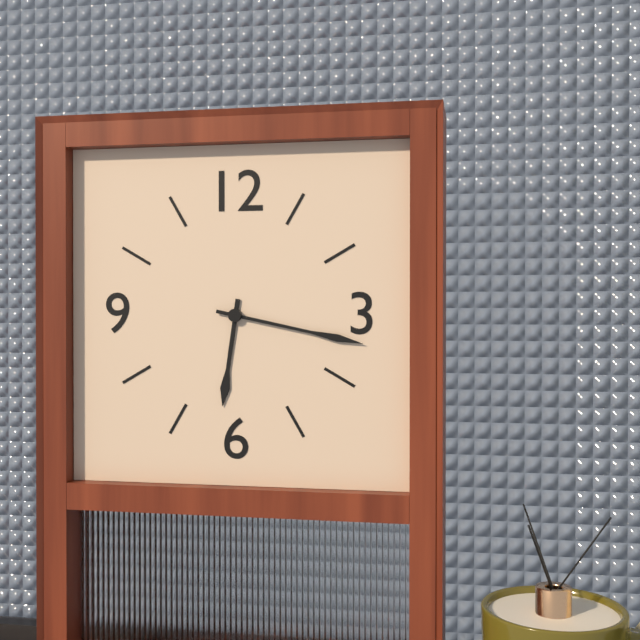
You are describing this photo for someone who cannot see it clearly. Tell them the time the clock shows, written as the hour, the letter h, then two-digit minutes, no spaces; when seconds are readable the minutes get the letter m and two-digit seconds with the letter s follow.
6h17
